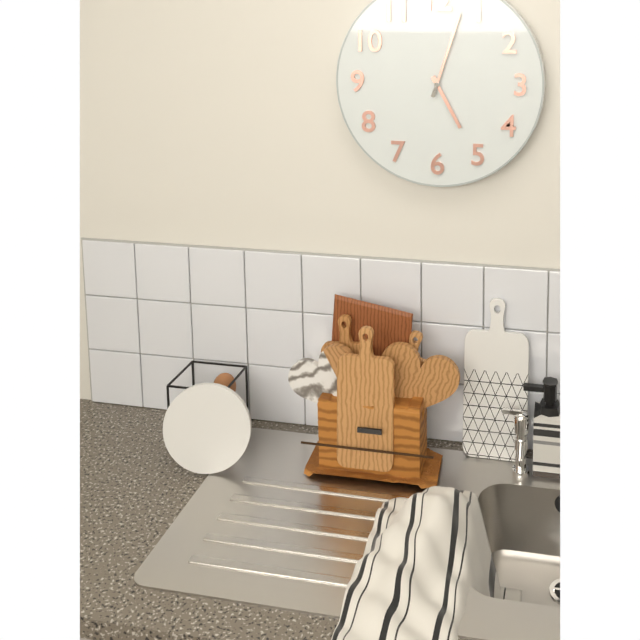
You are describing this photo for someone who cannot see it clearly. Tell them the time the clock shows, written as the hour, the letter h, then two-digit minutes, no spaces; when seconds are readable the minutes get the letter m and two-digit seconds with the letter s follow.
5h03
